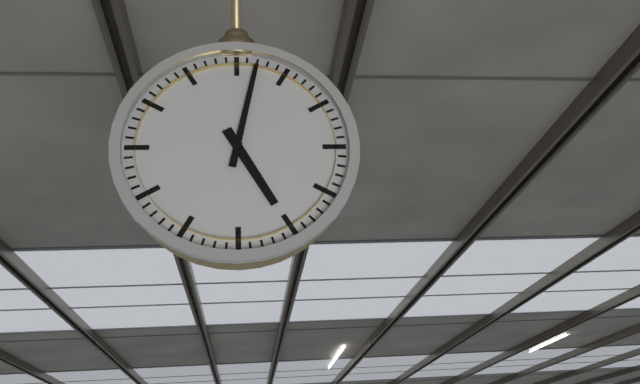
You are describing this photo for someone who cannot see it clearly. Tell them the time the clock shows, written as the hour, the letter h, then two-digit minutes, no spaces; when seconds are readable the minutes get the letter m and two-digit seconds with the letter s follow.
5h02
